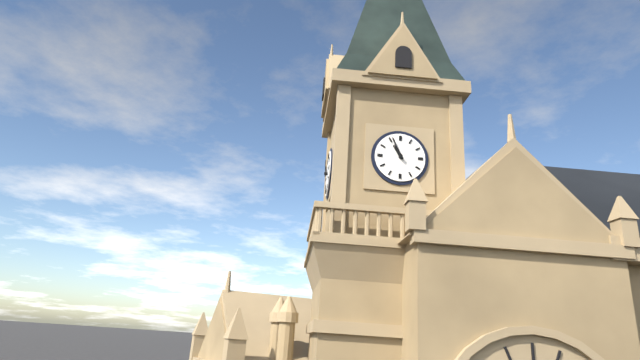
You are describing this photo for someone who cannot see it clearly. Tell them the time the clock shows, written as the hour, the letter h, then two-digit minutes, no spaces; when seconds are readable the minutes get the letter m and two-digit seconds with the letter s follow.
10h56
